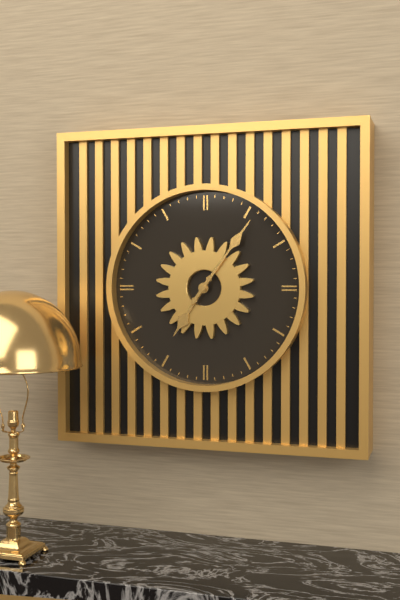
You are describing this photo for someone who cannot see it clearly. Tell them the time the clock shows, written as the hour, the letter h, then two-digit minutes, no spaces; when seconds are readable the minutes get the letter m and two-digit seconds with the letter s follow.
7h06
